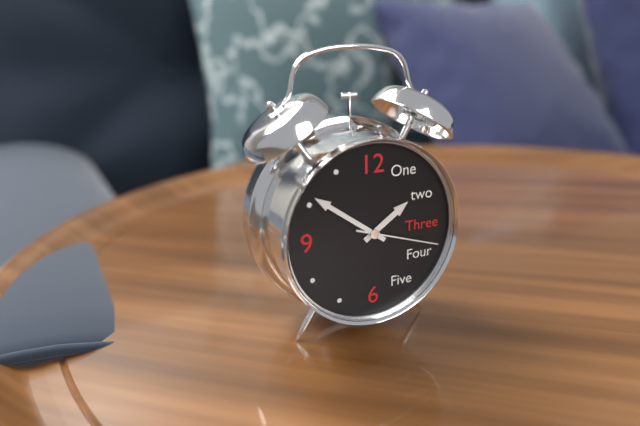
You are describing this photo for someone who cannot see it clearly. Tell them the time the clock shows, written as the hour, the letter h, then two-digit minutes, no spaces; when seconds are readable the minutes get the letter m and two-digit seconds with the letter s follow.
1h51m18s
